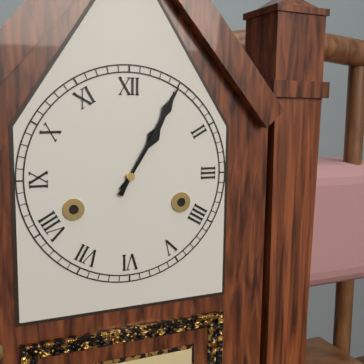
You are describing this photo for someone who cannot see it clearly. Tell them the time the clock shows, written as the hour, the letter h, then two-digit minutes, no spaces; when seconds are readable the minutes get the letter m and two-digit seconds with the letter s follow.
1h05
